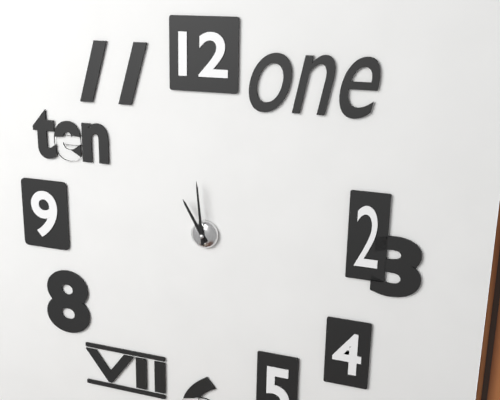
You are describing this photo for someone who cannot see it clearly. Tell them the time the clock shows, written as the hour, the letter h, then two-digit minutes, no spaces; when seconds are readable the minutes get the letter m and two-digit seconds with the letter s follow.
10h59
